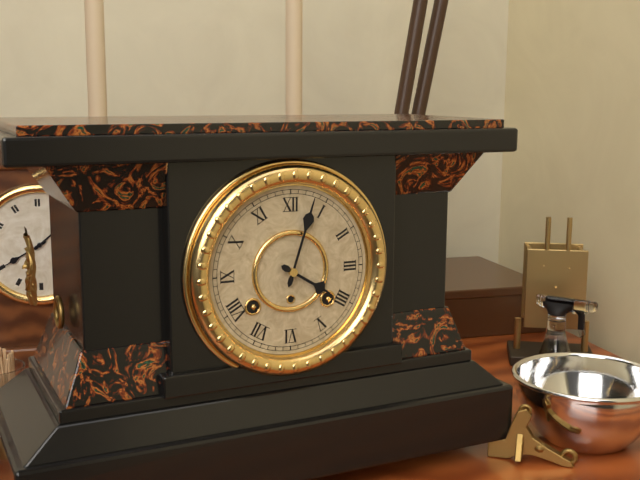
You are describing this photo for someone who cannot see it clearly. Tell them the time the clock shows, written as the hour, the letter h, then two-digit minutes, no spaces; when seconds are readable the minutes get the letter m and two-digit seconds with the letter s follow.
4h03
